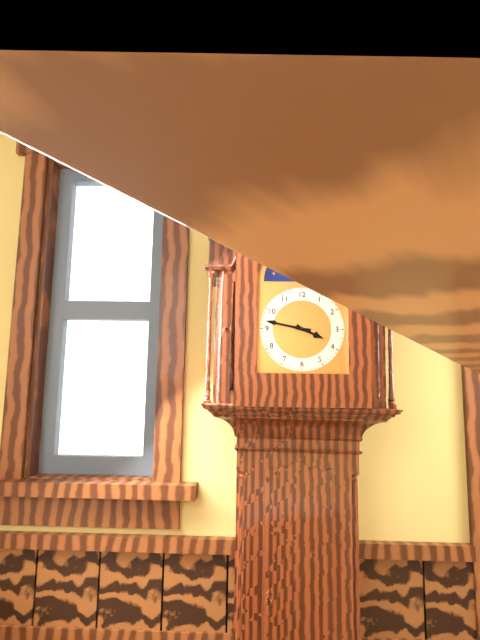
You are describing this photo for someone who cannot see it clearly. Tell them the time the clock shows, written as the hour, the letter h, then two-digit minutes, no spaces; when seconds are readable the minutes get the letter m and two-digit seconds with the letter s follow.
3h47
